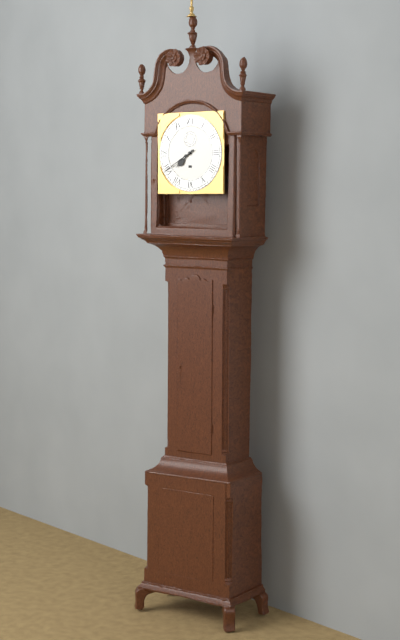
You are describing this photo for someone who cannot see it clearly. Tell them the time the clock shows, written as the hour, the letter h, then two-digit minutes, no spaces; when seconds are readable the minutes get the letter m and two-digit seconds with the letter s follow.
7h40
